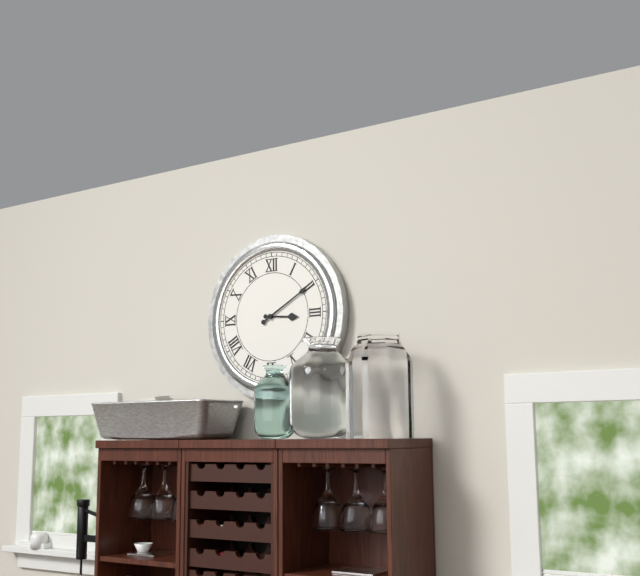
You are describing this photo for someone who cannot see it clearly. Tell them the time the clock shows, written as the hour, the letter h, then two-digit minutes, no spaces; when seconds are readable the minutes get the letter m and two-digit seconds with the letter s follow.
3h10
